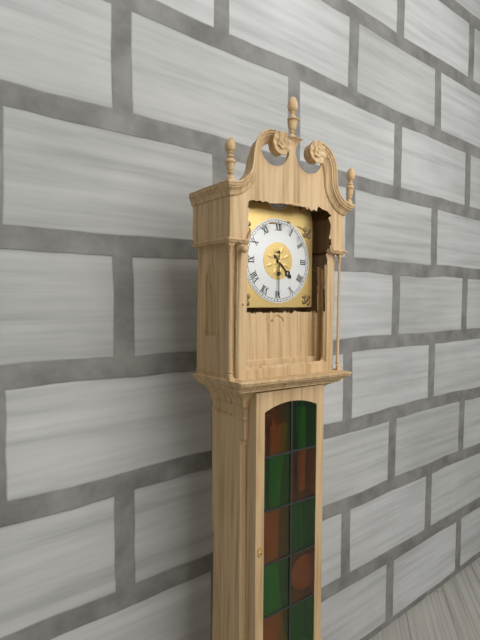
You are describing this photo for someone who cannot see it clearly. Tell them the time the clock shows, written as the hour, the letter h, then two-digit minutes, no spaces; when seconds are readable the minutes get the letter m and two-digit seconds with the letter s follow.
4h30
